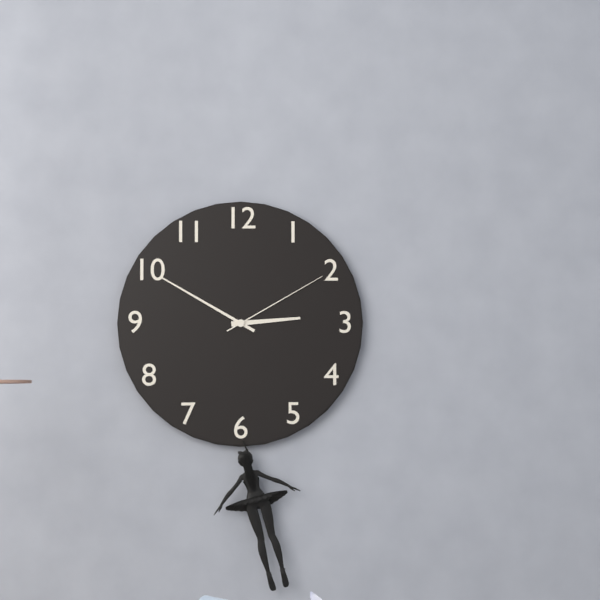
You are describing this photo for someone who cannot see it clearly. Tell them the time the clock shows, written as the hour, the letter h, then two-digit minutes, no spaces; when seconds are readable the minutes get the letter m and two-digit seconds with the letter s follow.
2h50m10s
